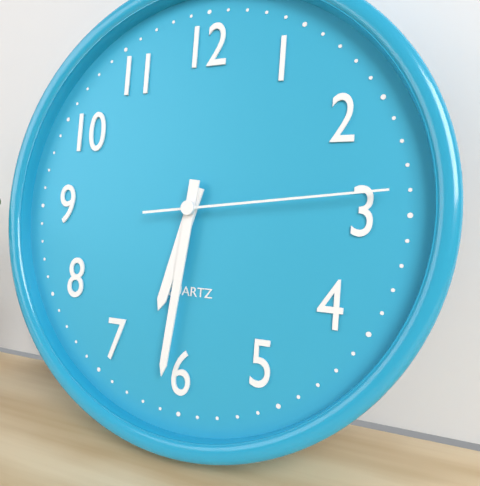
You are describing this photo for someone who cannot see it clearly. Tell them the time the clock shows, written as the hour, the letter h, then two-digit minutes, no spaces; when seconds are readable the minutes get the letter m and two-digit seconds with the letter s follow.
6h31m14s
